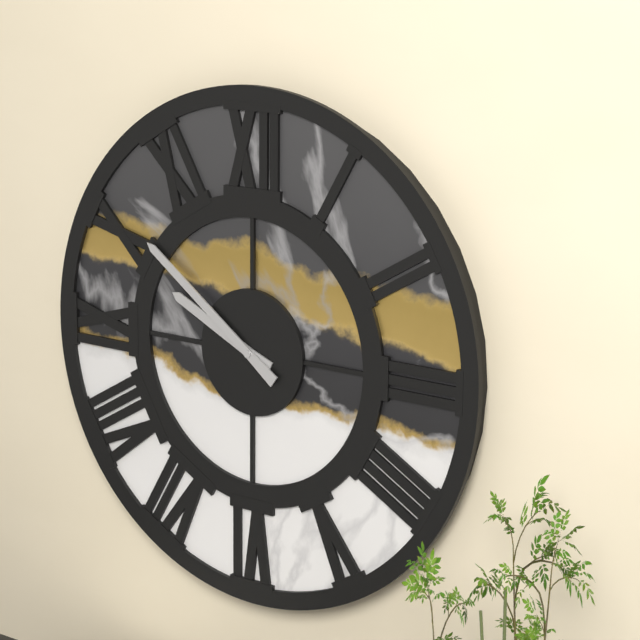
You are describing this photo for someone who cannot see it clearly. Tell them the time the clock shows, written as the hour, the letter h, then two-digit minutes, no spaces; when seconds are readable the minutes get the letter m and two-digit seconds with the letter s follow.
9h51
